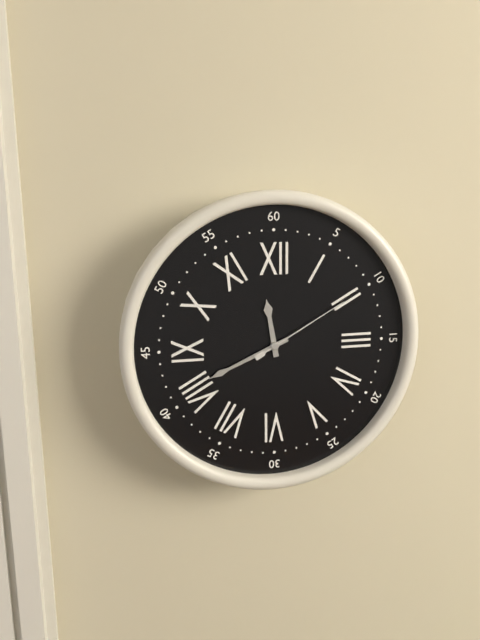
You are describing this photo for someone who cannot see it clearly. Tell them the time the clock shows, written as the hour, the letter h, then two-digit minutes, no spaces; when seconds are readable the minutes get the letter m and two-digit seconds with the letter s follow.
11h41m10s
